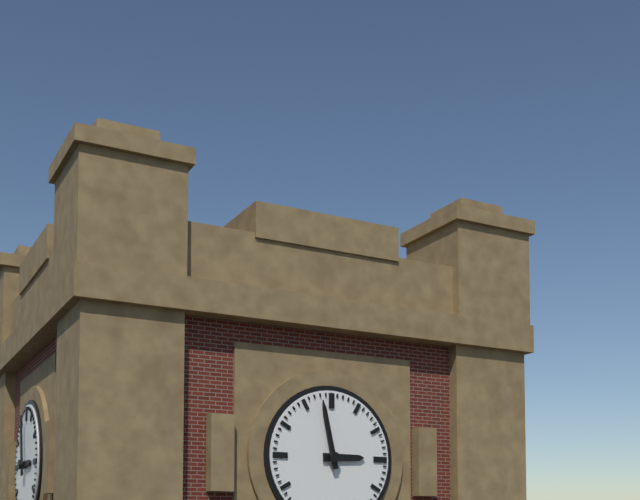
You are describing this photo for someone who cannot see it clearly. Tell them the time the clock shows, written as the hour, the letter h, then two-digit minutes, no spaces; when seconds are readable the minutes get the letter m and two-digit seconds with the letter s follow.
2h58
